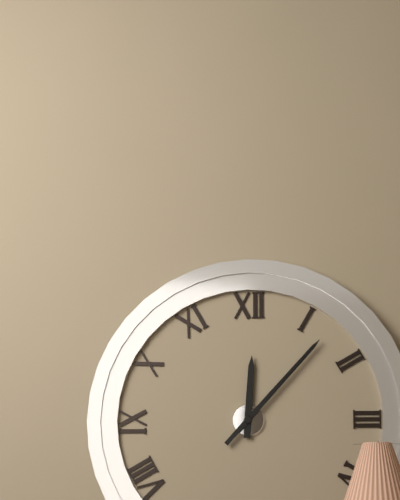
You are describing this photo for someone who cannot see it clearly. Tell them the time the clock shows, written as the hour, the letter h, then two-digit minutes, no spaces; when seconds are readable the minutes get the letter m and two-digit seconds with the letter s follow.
12h07
